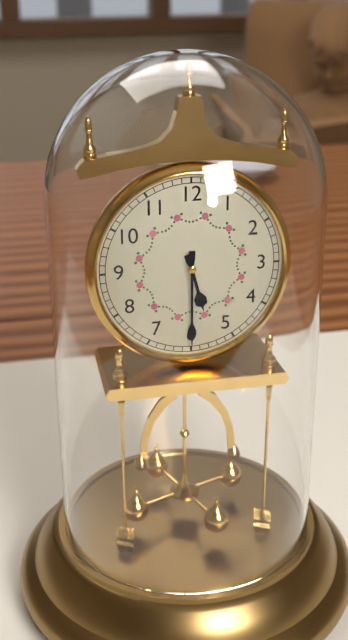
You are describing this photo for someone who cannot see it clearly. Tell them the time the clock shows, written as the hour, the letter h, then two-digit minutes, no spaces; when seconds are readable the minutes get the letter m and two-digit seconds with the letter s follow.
5h30
